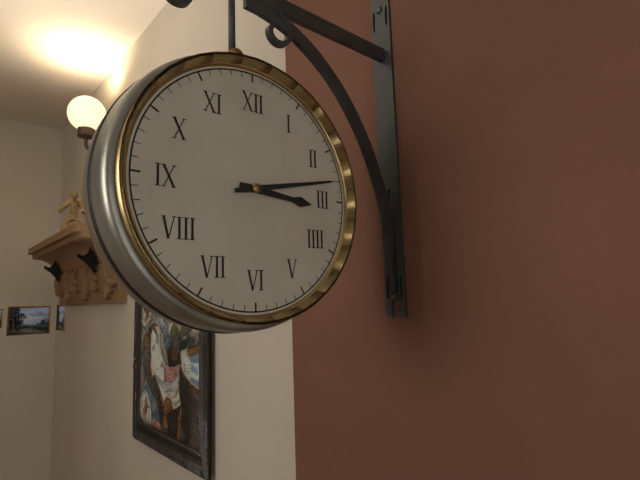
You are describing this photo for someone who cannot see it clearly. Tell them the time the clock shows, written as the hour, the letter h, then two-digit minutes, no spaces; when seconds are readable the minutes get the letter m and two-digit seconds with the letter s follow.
3h13
